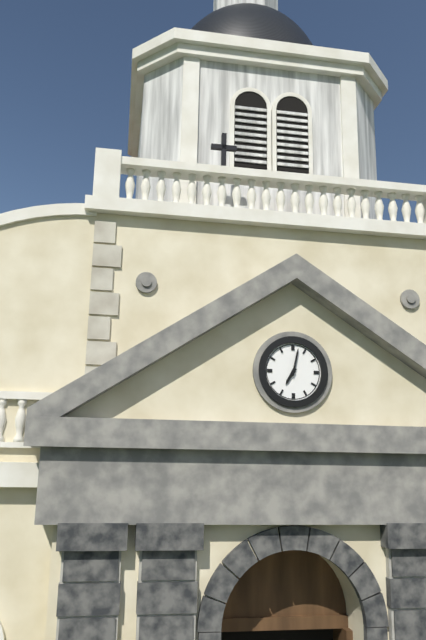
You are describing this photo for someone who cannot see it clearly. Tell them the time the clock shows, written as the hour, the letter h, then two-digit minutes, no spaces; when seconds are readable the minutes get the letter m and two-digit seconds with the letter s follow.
7h02
